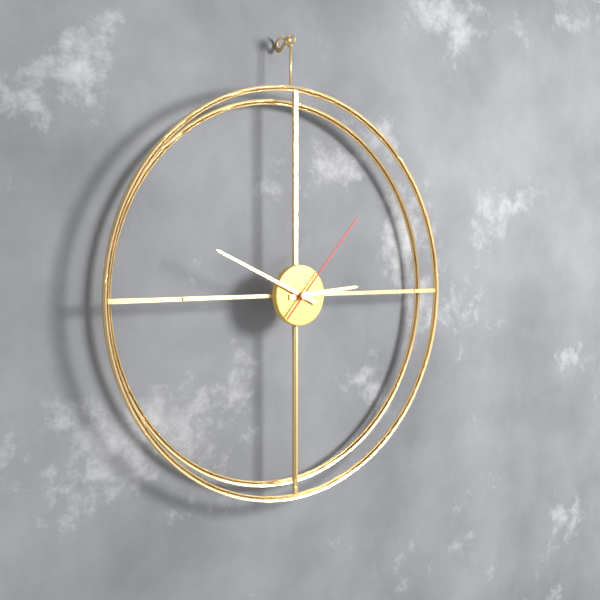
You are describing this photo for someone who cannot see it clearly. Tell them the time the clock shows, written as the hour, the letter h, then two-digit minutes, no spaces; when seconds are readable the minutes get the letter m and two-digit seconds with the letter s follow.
2h49m07s
